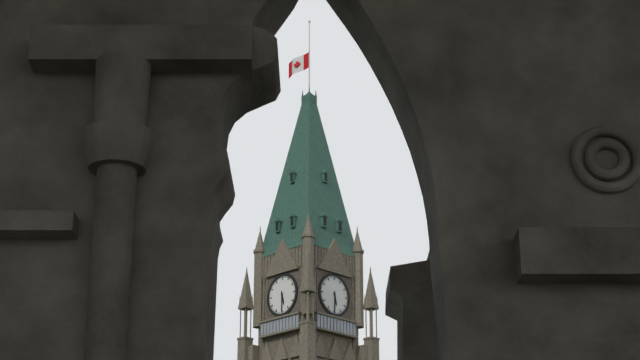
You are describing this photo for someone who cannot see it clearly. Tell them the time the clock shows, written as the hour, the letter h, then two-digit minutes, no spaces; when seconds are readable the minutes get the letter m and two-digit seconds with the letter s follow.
5h30
